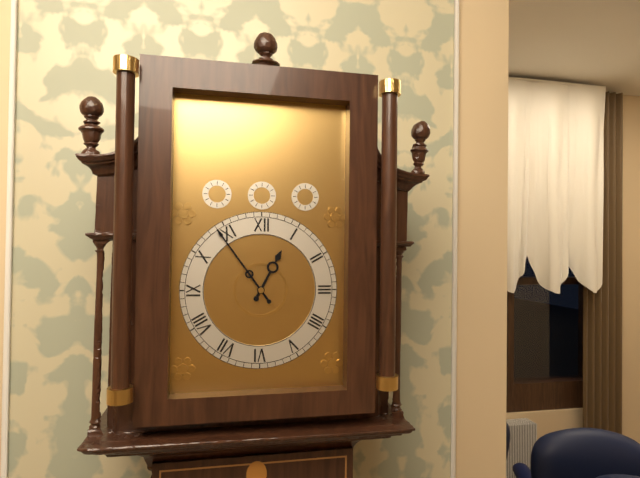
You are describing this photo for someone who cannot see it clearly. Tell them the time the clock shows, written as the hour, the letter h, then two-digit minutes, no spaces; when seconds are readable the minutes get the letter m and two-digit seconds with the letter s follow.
12h54
